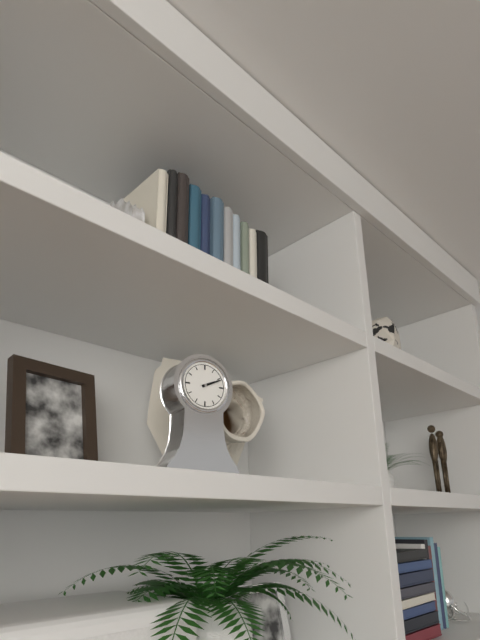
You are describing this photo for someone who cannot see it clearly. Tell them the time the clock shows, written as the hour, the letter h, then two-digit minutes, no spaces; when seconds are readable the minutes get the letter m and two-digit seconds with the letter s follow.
2h11
